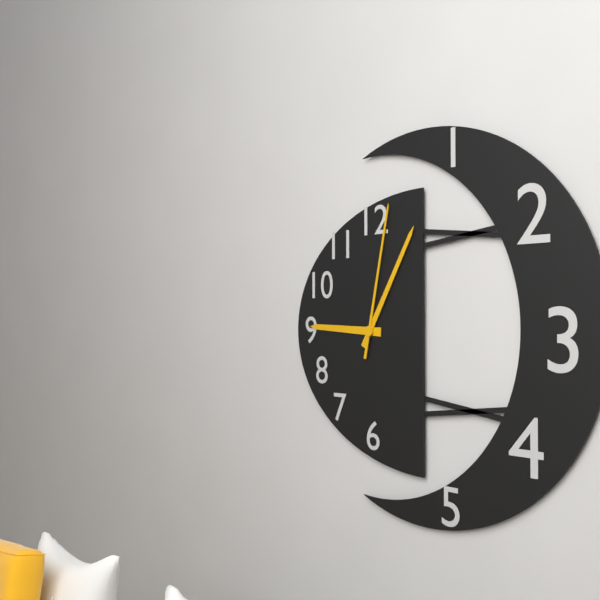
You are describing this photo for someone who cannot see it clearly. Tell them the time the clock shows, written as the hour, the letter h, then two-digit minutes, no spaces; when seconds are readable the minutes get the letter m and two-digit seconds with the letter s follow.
9h05m02s
